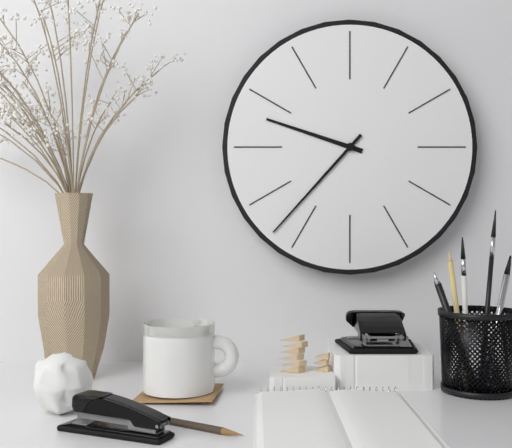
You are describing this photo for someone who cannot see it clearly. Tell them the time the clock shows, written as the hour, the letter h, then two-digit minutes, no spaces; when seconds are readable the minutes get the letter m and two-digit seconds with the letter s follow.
9h37
